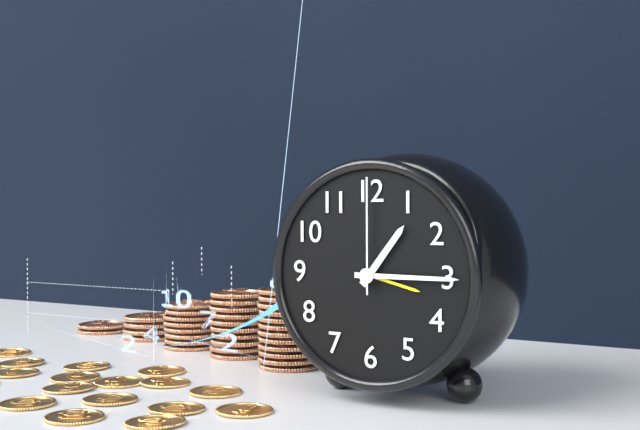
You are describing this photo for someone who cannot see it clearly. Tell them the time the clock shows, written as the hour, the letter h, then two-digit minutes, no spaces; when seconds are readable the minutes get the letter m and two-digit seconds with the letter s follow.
1h15m00s
